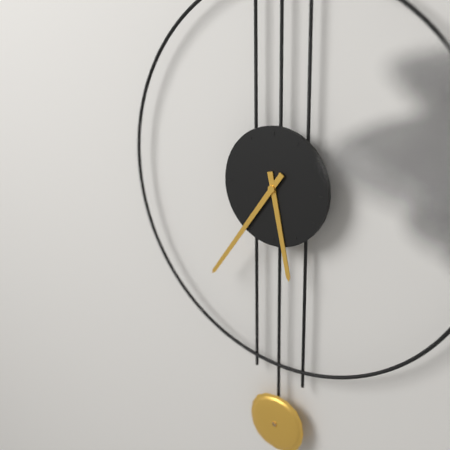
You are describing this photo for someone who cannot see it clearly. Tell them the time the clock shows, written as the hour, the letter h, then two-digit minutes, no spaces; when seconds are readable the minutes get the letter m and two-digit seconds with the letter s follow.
5h36
